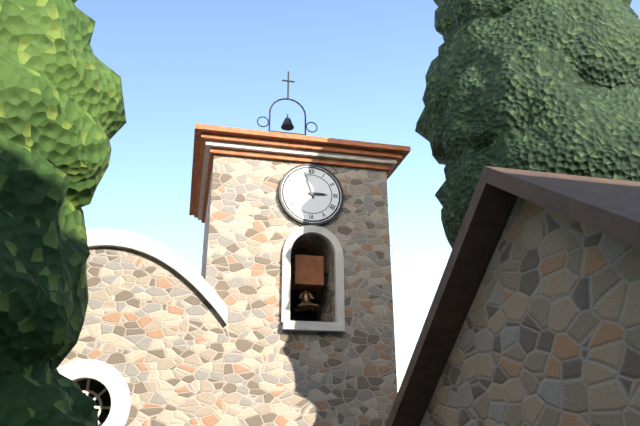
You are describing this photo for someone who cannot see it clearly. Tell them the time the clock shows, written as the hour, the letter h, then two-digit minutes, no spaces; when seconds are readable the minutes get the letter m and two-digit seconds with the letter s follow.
2h57
